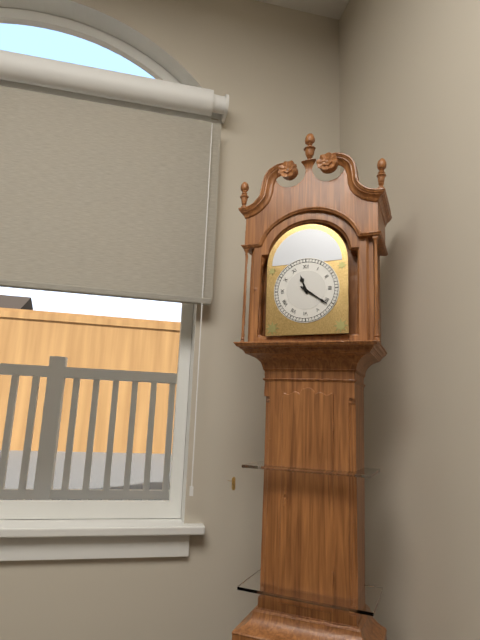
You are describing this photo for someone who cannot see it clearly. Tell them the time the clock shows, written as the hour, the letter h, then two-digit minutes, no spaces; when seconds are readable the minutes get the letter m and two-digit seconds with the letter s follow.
11h21
